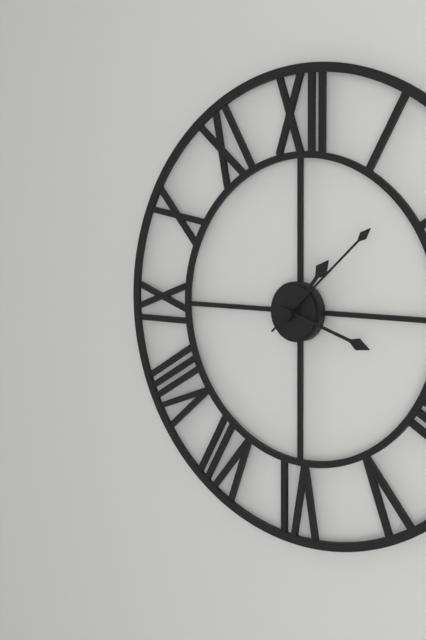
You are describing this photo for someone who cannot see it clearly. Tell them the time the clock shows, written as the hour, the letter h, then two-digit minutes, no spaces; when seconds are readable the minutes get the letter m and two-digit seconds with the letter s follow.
1h18m08s
